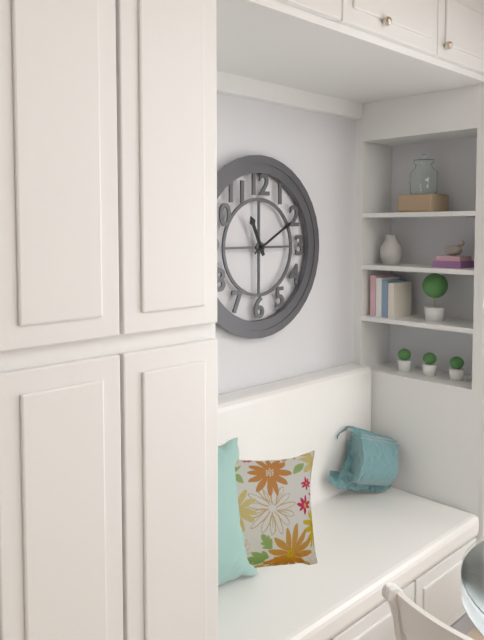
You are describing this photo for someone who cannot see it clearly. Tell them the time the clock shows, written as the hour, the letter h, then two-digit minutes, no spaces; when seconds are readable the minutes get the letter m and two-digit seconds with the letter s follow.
11h10
